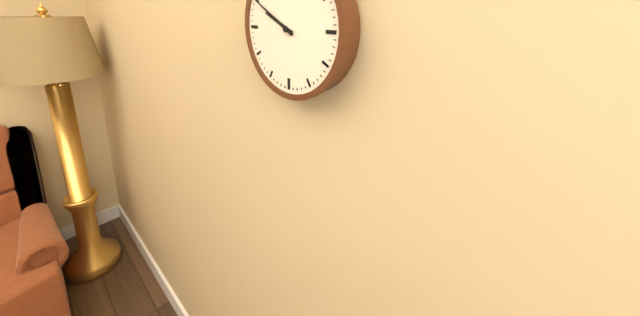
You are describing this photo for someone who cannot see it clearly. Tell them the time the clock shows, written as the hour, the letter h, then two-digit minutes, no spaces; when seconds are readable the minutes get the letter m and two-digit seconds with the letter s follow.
9h50
